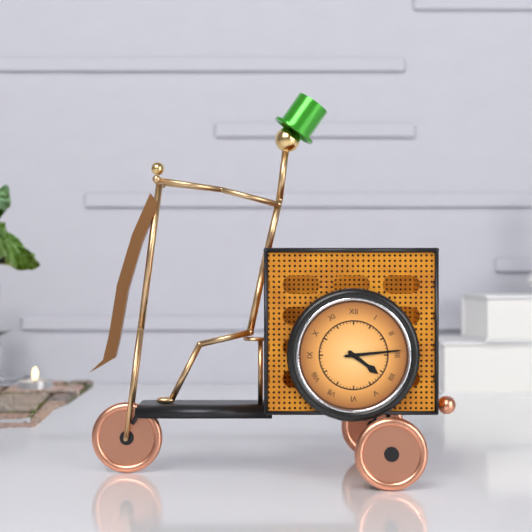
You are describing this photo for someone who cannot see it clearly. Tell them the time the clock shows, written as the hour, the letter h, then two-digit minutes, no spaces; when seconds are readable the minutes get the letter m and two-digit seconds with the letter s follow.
4h14
